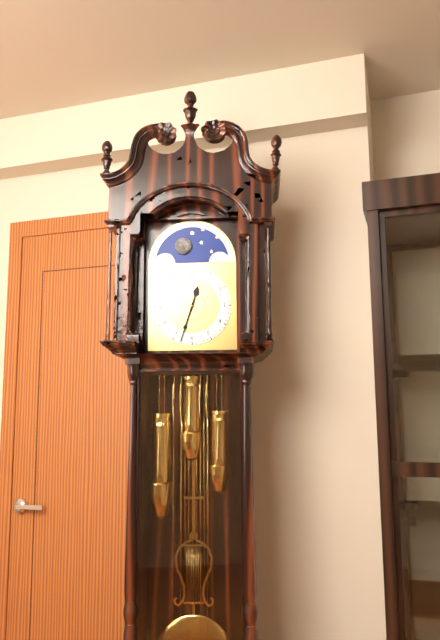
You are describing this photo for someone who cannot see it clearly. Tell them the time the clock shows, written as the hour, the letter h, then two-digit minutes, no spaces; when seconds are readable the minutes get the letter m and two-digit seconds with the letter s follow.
12h33
